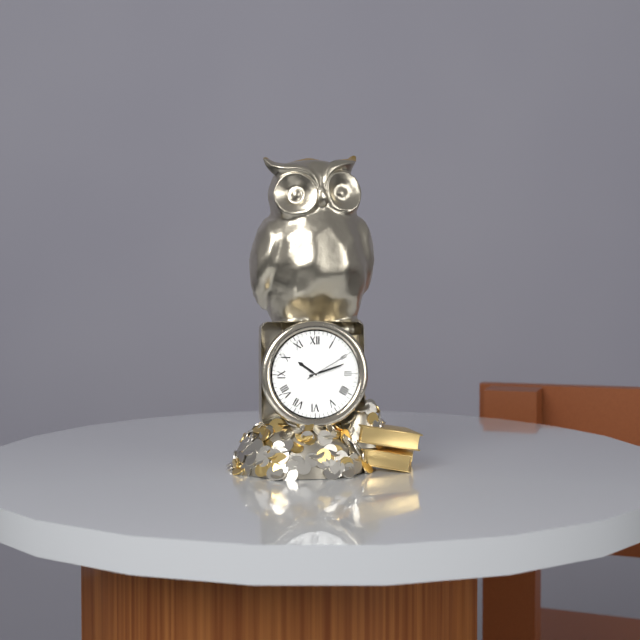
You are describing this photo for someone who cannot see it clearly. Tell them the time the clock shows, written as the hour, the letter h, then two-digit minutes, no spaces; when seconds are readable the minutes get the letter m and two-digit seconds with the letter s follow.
10h12
